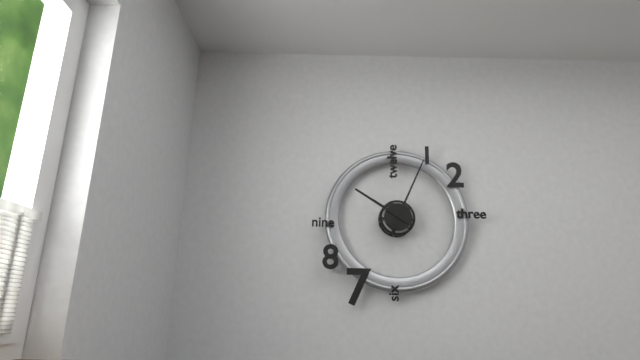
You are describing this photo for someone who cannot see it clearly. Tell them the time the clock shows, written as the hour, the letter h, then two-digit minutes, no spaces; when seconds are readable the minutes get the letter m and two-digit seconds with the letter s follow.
10h04
